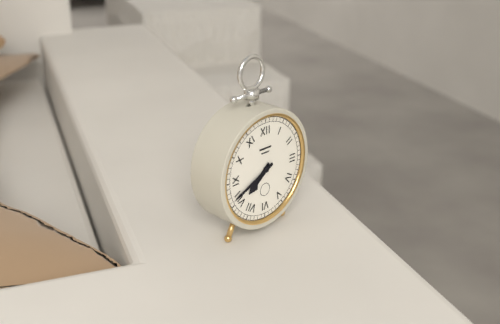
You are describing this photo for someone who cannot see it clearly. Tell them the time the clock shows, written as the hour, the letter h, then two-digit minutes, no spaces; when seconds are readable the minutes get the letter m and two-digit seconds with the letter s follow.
7h41
